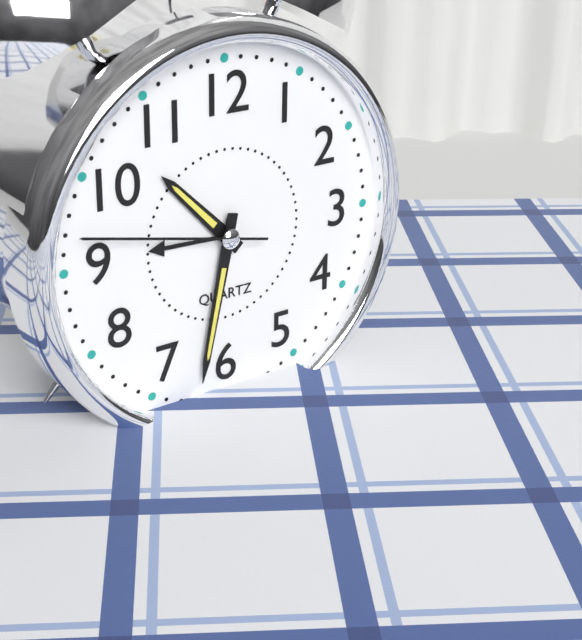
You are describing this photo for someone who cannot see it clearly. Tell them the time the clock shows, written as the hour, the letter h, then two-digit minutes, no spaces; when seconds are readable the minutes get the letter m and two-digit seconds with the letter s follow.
10h32m47s
